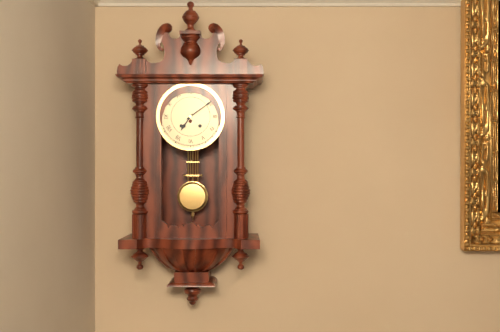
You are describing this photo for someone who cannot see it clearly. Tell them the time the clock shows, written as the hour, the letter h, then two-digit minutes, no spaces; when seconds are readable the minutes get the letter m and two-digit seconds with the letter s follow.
7h09
